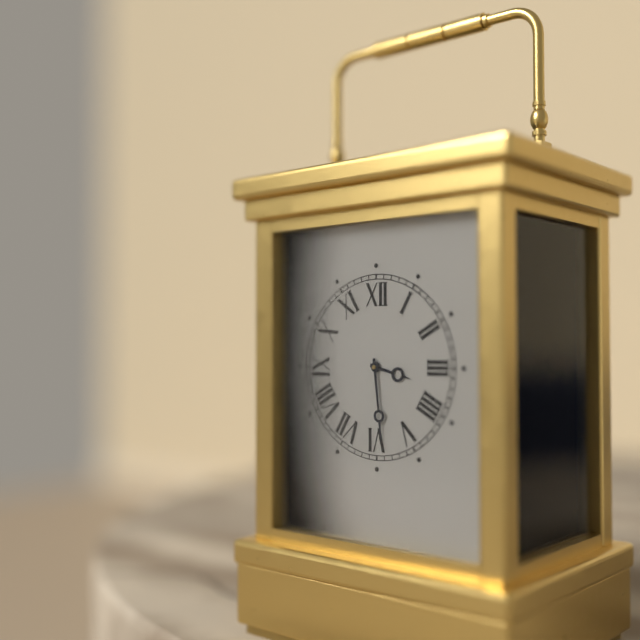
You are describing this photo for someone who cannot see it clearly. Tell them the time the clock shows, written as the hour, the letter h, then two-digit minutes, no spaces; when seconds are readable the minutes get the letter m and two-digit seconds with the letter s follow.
3h29
